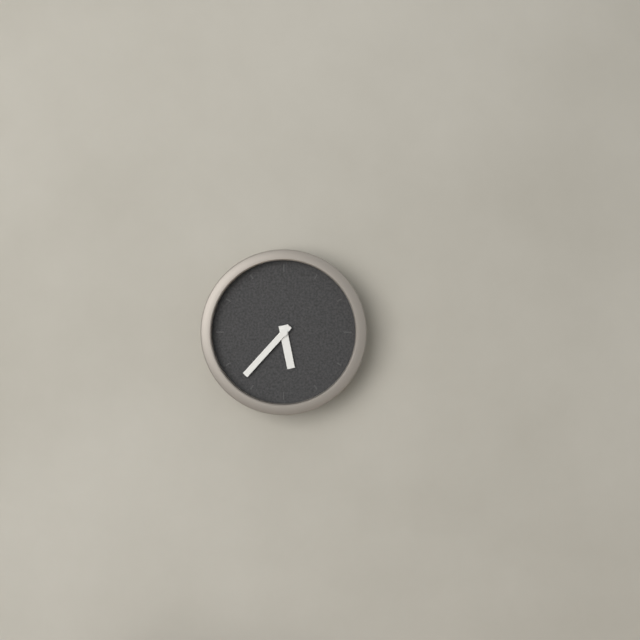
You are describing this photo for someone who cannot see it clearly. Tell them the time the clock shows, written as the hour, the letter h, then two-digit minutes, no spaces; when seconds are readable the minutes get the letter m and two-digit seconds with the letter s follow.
5h37
